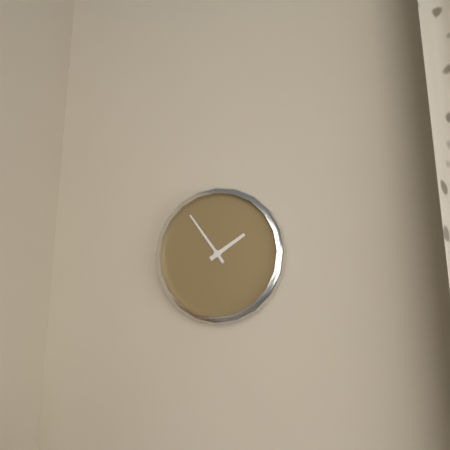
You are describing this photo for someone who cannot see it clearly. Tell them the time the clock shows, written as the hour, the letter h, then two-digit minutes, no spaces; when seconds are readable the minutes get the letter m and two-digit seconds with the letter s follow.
1h54
